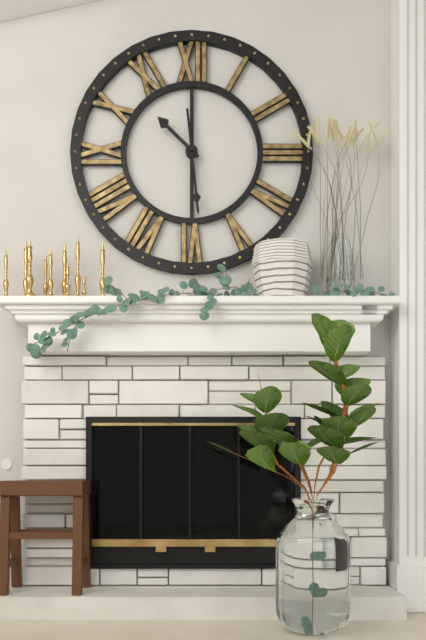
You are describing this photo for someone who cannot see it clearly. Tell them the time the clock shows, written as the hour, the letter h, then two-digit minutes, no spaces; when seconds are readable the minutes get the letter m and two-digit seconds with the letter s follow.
10h29
